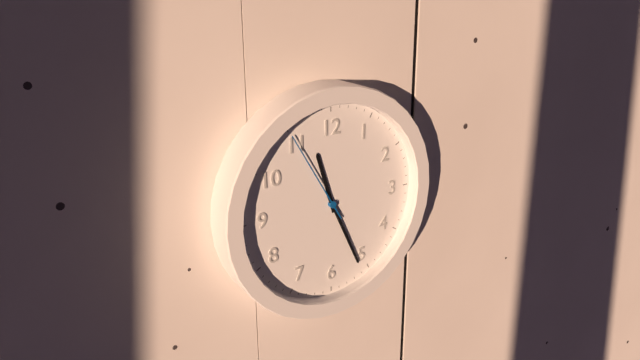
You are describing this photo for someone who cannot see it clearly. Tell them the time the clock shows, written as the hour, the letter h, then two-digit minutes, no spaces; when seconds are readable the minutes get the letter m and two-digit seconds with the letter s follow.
11h26m55s
